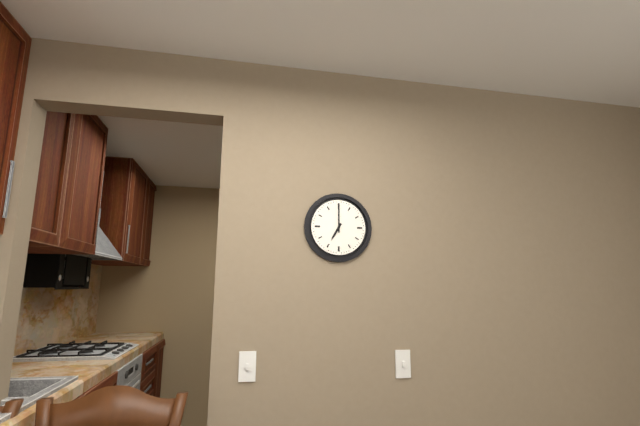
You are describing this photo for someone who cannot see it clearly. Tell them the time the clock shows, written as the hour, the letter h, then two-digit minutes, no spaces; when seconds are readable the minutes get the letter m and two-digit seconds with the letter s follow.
7h00
